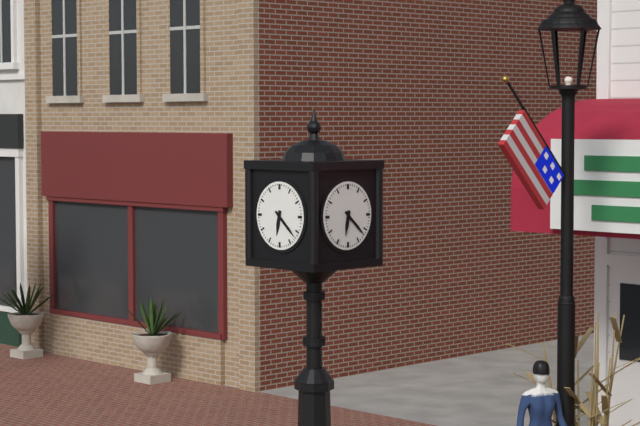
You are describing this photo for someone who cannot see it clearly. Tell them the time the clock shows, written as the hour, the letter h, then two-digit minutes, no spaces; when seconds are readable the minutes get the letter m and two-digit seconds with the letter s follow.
6h22
